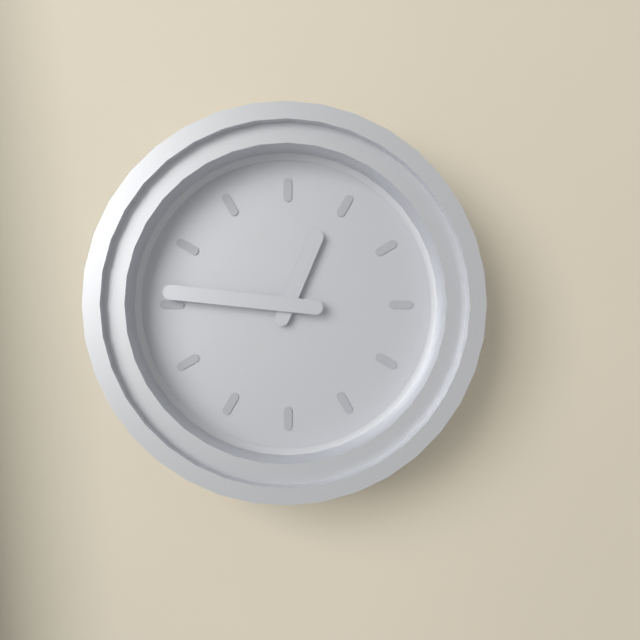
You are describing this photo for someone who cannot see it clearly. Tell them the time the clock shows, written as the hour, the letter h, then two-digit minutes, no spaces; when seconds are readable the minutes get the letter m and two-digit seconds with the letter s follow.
12h46
